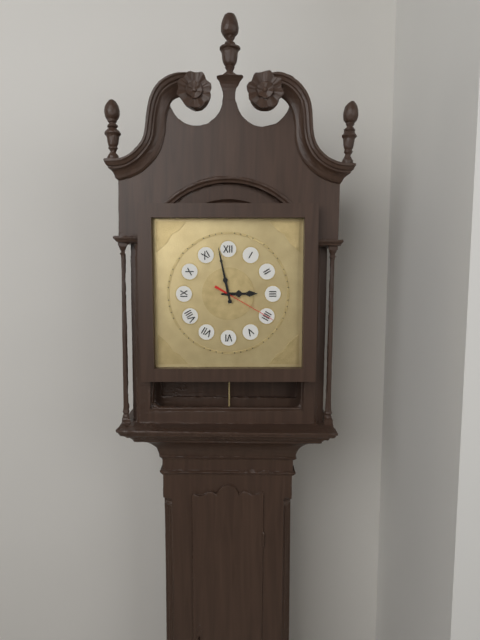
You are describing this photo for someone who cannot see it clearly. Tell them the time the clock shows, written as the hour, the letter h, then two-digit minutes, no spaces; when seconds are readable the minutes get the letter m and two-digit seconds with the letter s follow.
2h58m20s
